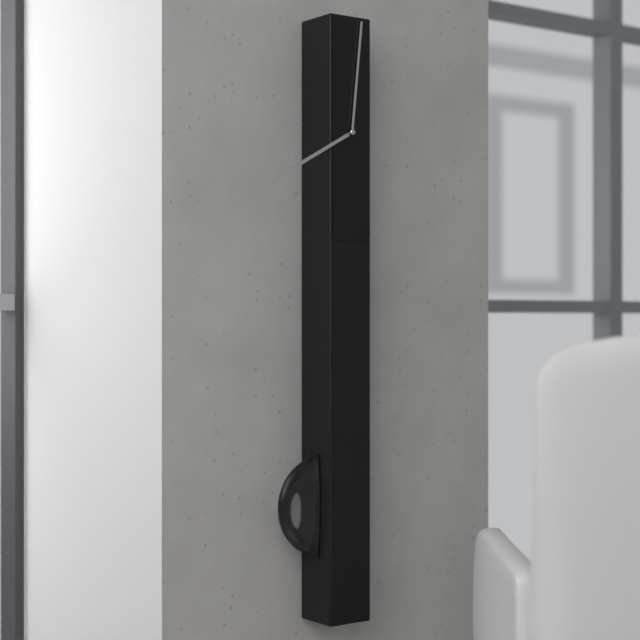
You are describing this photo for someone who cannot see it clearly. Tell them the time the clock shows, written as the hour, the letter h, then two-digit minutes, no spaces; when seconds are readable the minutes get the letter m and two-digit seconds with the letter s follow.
8h01
